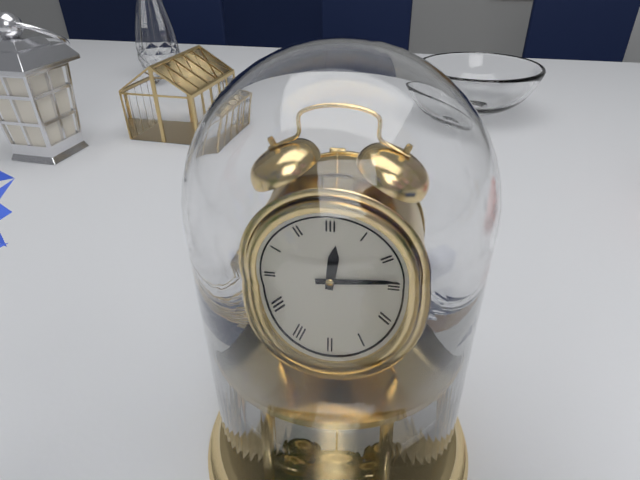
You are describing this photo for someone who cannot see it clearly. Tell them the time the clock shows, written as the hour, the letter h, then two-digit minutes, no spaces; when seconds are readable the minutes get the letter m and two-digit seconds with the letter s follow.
12h14
